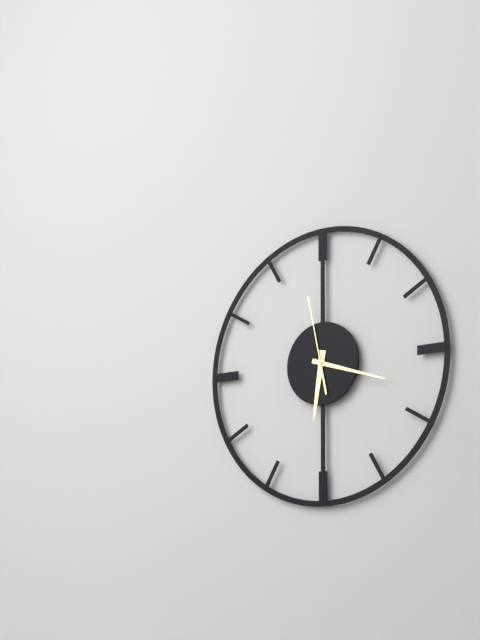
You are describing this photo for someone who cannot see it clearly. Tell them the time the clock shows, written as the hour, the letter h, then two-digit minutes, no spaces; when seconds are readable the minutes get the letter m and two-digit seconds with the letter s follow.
6h18m58s
